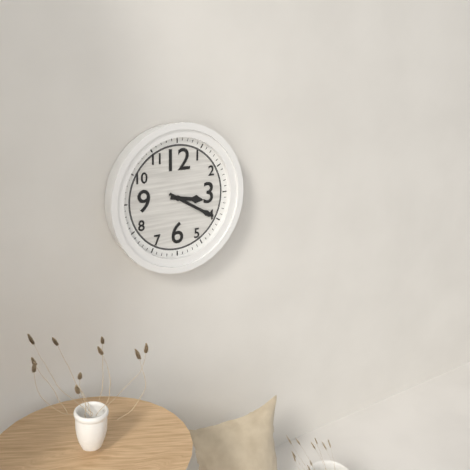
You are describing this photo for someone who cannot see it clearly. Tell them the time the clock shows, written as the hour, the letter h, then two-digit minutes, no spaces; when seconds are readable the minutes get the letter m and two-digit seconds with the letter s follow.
3h20
